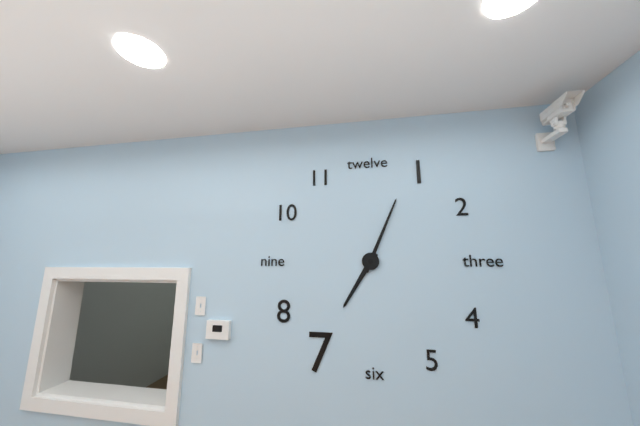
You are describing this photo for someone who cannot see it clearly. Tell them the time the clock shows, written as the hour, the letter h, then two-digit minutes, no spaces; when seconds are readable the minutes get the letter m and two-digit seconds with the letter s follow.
7h04
